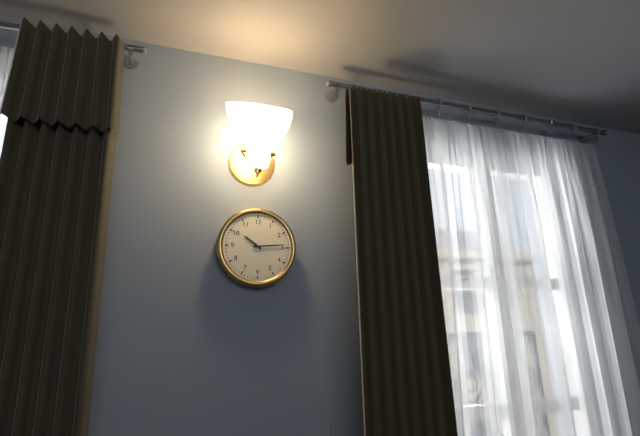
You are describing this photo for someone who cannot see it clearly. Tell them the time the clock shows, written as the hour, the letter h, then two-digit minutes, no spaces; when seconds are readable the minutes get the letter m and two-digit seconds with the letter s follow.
10h14
